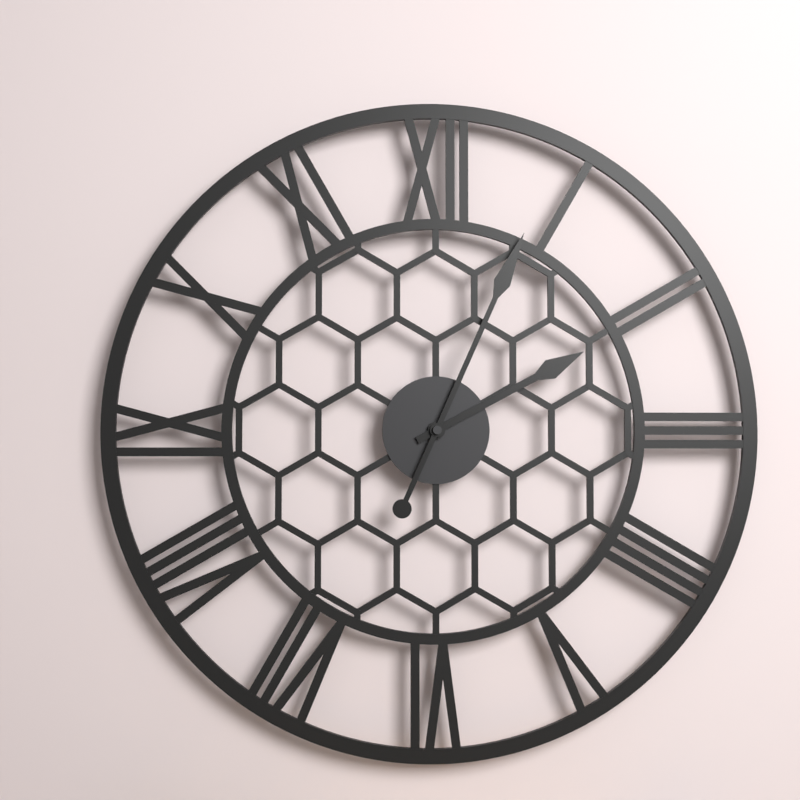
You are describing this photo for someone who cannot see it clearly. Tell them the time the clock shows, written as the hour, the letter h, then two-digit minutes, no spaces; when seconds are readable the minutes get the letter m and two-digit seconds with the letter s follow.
2h04
